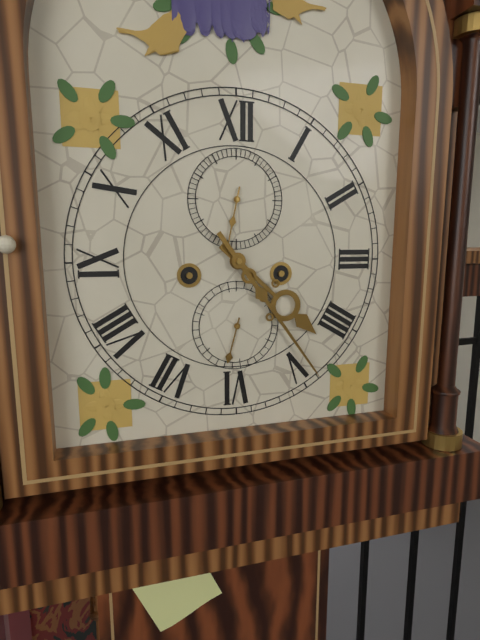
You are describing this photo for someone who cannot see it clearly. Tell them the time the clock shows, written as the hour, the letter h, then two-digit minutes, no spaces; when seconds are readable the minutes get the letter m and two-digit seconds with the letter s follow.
4h24m32s
